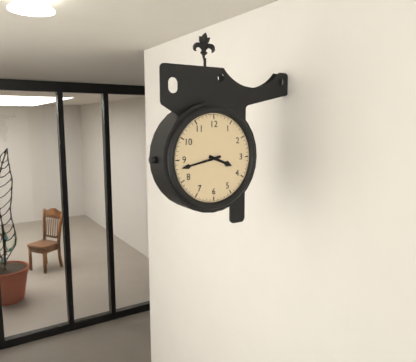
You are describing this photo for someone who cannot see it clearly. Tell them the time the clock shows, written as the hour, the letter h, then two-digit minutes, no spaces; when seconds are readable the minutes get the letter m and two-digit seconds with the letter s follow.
3h43
